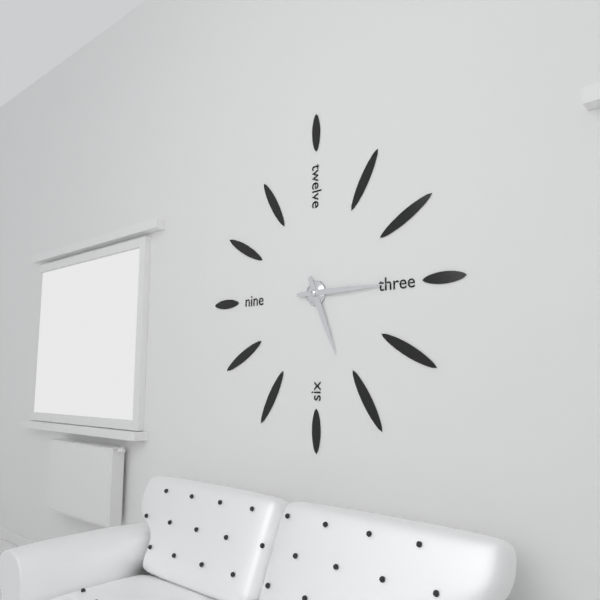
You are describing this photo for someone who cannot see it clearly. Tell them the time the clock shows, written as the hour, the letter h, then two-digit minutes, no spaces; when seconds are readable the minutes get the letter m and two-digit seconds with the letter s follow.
5h15
